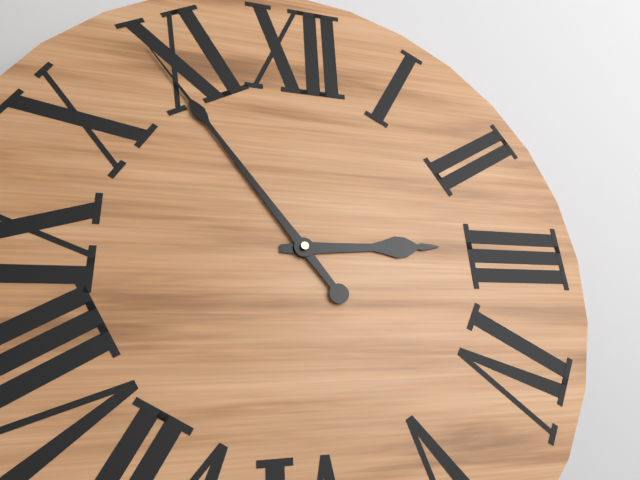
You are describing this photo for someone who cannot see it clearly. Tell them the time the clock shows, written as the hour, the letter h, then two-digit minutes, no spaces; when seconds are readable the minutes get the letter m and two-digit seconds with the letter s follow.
2h54
